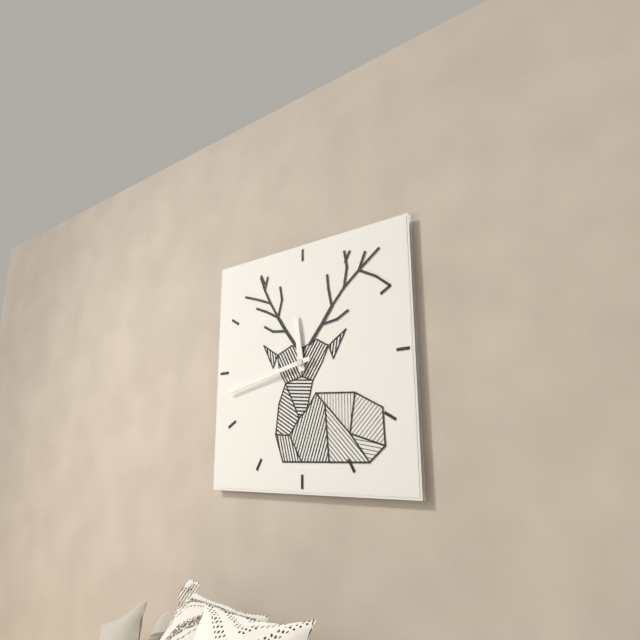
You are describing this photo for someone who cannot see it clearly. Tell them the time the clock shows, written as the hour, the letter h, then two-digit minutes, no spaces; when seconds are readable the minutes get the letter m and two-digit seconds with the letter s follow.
11h43
